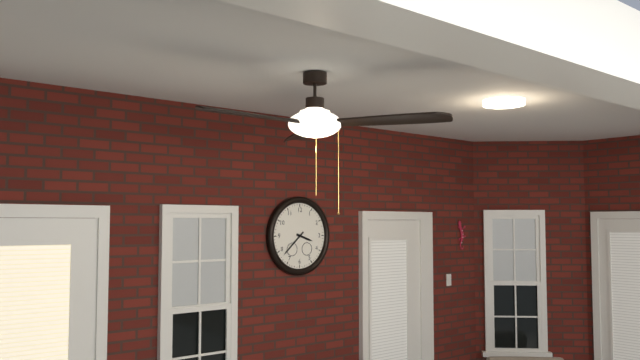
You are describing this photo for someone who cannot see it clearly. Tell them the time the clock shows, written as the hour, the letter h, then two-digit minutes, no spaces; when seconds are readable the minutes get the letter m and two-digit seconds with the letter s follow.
3h38
